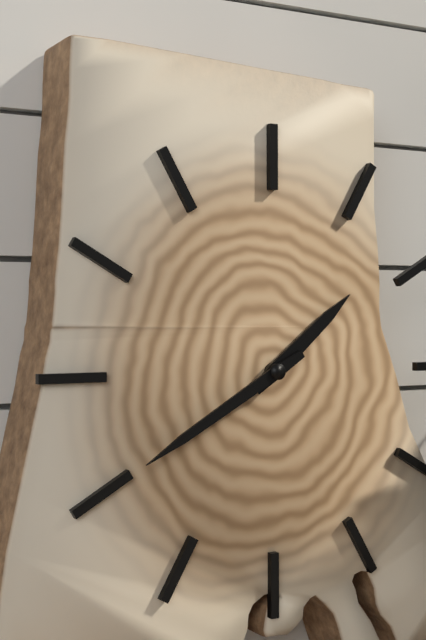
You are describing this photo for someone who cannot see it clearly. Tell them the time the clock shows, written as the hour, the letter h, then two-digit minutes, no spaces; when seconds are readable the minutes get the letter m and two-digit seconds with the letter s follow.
1h40
